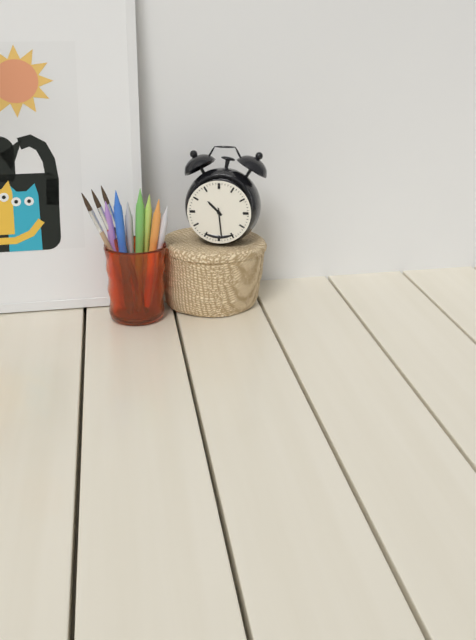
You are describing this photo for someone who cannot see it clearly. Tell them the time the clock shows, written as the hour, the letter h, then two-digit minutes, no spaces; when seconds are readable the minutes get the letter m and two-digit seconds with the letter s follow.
10h29
